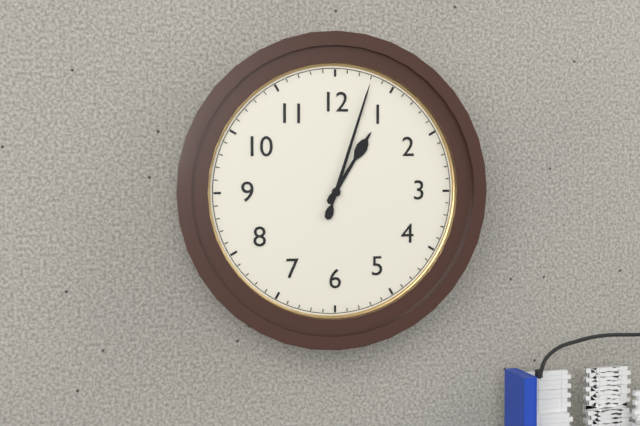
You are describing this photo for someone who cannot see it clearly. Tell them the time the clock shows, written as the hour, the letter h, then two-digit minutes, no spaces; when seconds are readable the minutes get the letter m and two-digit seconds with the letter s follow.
1h03
